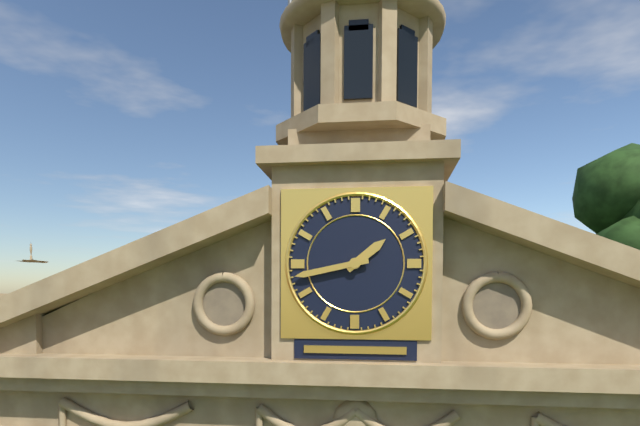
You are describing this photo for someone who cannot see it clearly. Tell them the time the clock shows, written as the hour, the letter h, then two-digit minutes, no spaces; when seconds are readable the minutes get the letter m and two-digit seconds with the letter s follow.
1h43
